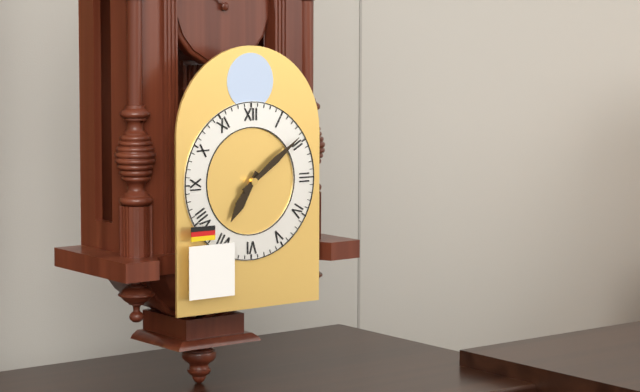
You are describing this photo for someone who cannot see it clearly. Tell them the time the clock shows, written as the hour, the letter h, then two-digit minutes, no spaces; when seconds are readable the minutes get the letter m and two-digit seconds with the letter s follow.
7h09
